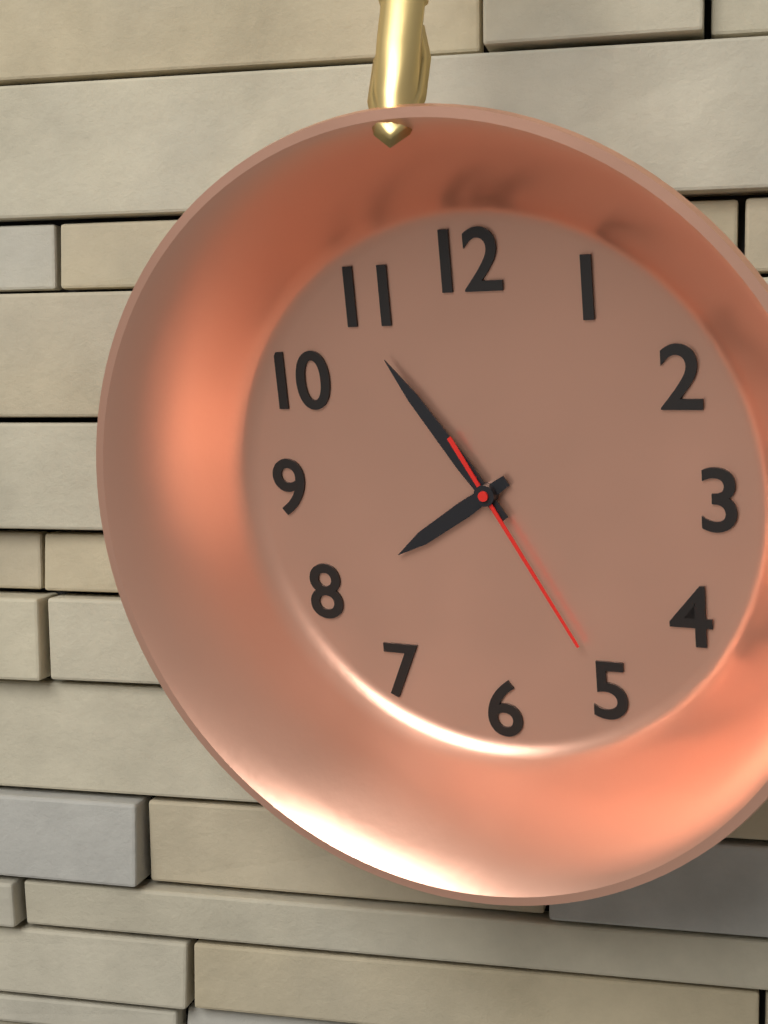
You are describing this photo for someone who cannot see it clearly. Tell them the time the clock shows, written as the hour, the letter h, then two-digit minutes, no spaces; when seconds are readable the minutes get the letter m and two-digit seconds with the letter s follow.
7h54m25s
